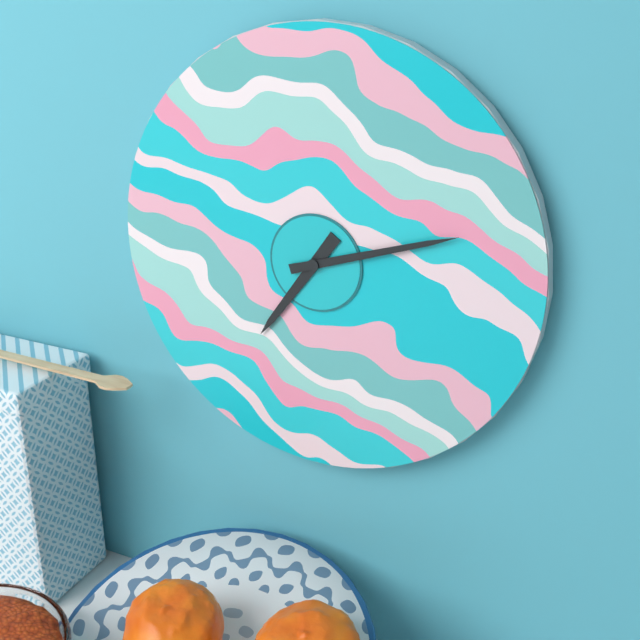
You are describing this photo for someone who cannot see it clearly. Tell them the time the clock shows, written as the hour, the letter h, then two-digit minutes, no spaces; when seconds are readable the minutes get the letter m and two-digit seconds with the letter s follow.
7h12
